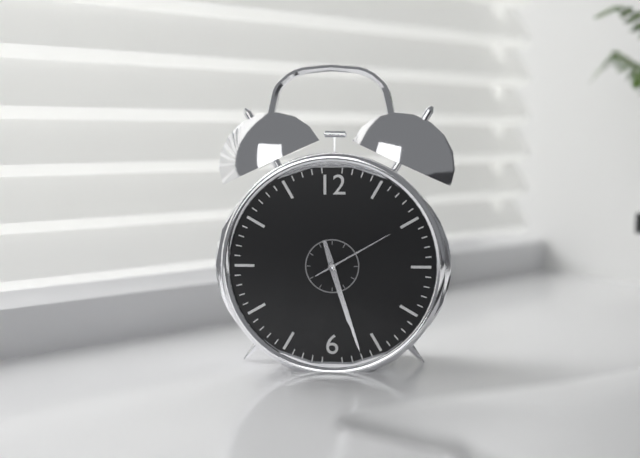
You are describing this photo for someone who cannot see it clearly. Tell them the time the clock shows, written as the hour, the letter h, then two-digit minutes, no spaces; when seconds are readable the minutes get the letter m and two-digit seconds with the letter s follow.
5h27m10s
